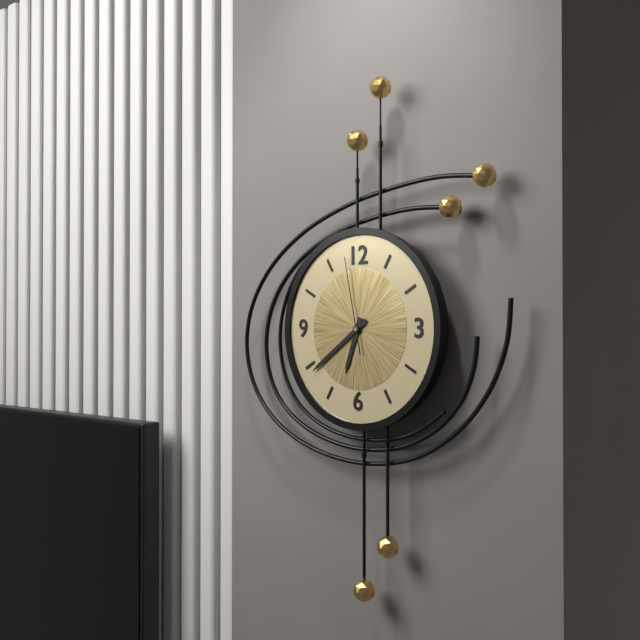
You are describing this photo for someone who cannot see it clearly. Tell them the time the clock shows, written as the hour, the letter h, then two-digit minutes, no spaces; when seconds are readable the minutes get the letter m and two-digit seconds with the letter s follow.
6h39m58s
